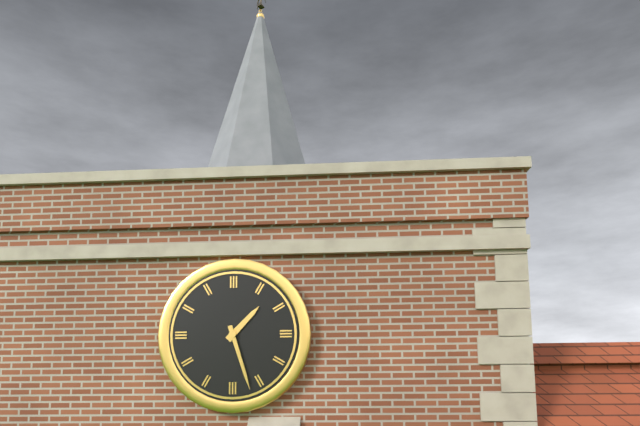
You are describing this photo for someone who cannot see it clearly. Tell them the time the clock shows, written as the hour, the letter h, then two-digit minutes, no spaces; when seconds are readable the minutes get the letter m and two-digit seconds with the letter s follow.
1h27
